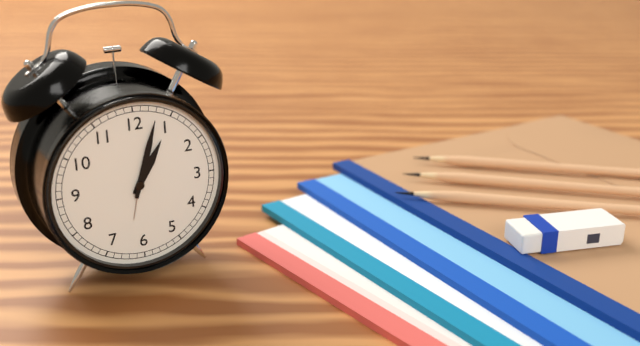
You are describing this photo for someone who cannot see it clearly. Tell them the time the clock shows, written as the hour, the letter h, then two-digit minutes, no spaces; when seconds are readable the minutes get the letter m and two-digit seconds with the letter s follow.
1h03
